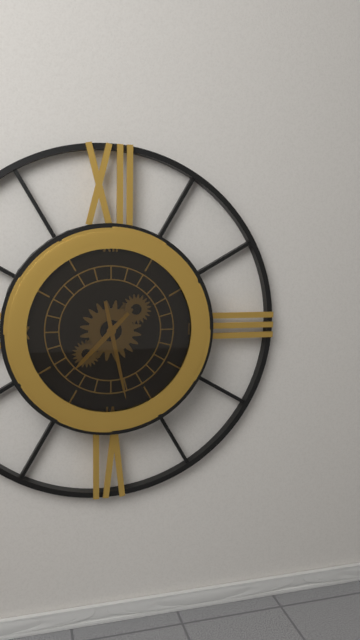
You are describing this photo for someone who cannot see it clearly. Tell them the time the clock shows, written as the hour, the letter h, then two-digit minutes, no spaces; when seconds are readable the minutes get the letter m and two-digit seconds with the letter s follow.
7h28
